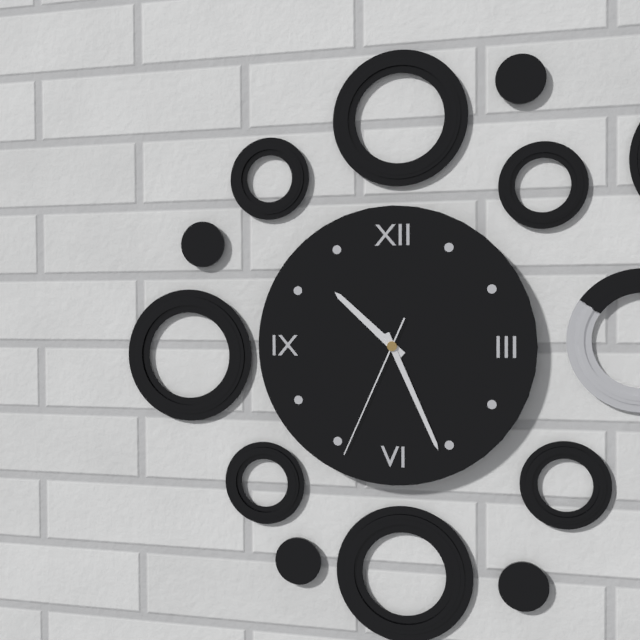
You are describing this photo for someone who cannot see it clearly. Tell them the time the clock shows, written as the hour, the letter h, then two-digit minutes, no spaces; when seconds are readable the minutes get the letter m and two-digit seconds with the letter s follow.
10h26m34s
